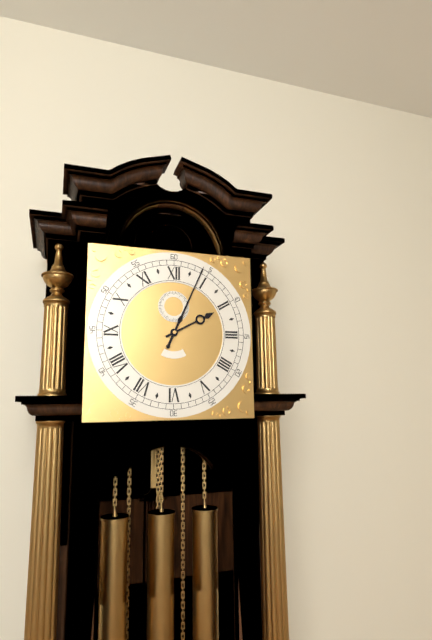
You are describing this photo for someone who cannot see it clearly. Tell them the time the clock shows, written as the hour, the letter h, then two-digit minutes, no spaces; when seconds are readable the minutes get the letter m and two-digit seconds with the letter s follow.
2h04
